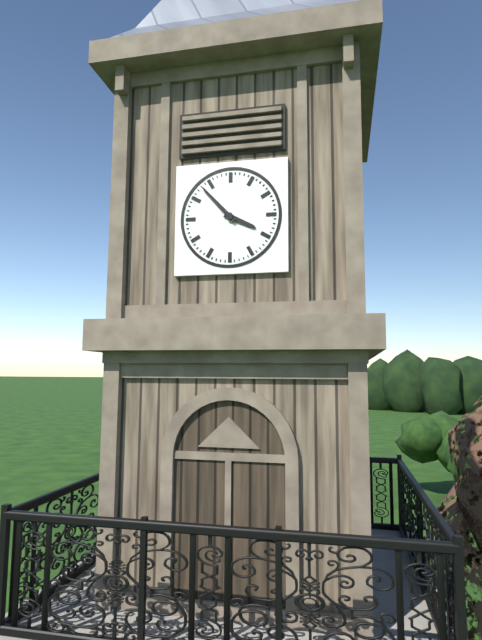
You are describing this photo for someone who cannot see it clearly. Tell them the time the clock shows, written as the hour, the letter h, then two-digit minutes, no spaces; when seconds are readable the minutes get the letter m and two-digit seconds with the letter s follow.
3h53
